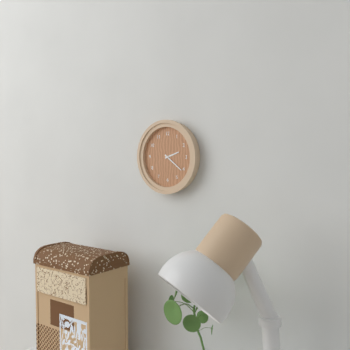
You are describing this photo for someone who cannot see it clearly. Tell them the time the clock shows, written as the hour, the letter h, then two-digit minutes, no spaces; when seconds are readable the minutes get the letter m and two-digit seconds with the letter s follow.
2h21
